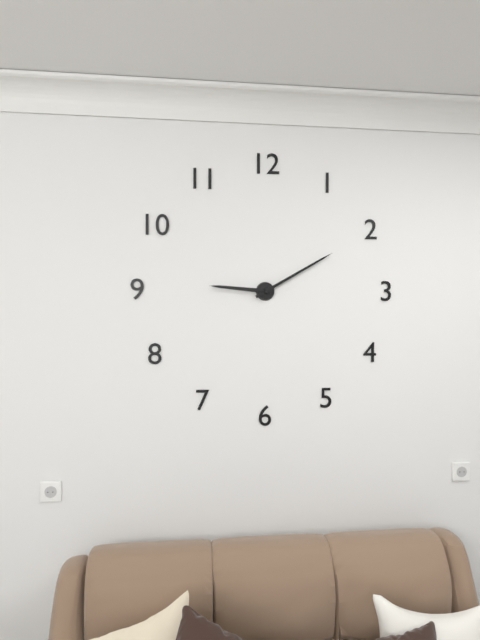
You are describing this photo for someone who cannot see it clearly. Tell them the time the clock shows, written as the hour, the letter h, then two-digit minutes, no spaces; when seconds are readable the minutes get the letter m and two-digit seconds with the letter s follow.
9h10
